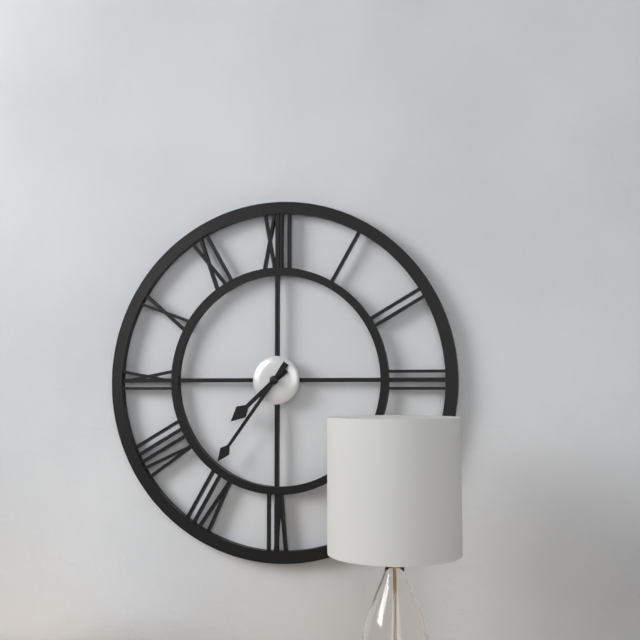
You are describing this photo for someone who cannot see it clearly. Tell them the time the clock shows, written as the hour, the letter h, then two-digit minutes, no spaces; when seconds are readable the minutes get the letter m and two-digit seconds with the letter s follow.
7h36
